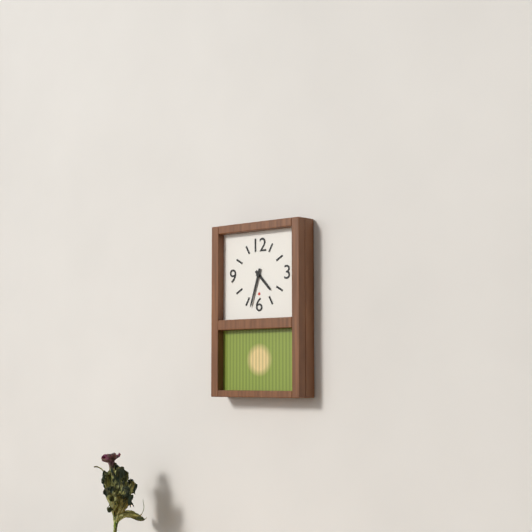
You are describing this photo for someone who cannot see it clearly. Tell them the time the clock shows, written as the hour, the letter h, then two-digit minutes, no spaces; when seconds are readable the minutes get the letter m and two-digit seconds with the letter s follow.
4h33
